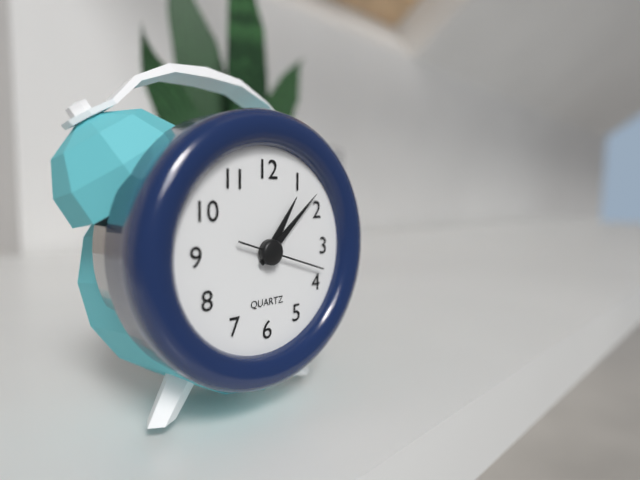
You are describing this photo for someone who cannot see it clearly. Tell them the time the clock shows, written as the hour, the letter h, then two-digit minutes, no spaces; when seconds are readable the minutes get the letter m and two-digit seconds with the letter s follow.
1h08m18s
